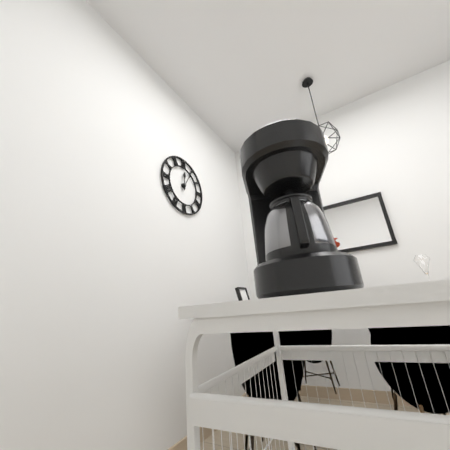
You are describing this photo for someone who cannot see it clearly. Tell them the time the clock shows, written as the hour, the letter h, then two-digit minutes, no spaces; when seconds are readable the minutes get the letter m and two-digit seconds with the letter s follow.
12h05
